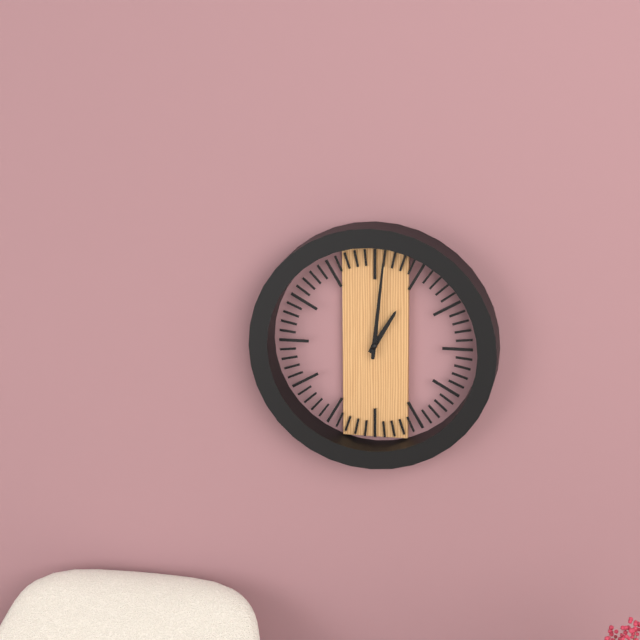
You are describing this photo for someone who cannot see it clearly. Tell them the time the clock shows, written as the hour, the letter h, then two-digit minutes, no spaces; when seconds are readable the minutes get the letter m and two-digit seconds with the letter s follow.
1h01
